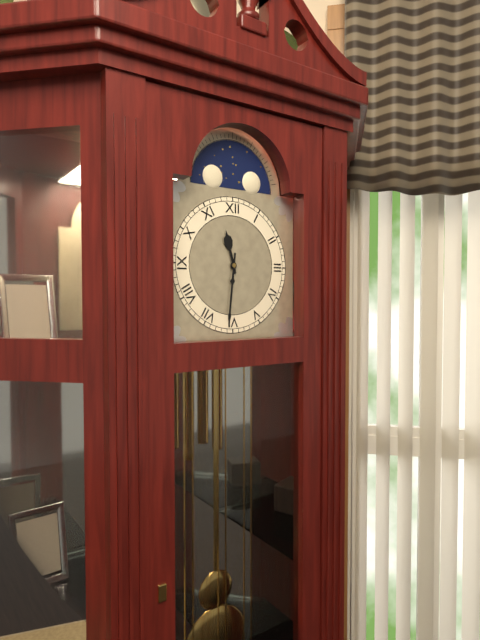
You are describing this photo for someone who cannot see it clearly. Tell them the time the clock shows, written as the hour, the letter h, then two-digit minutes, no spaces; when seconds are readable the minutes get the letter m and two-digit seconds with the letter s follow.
11h31
